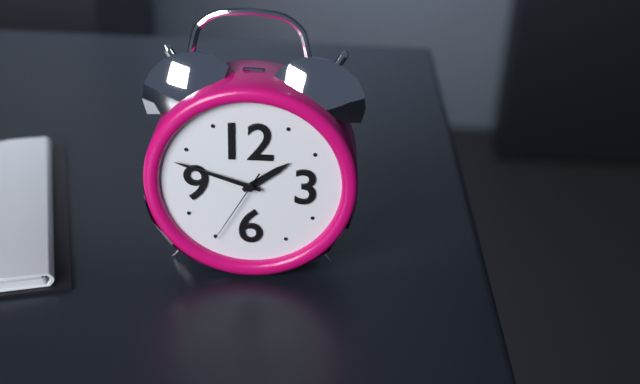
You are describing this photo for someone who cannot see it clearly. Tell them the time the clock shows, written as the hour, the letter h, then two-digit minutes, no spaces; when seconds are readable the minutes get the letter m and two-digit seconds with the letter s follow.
1h48m35s
